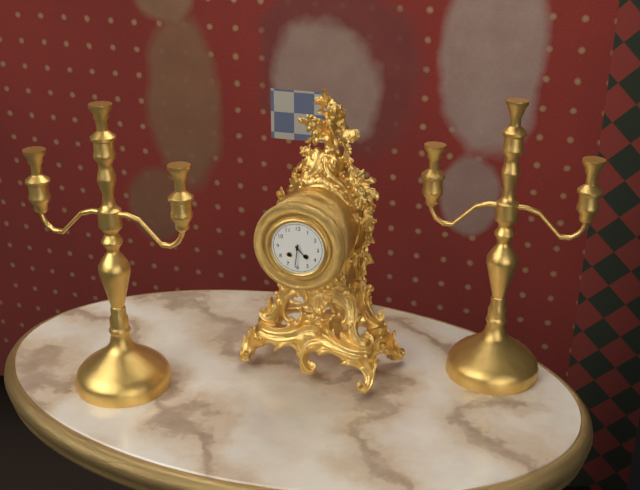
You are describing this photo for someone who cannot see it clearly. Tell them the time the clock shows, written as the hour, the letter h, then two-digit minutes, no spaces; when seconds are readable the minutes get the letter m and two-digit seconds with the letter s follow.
4h31
